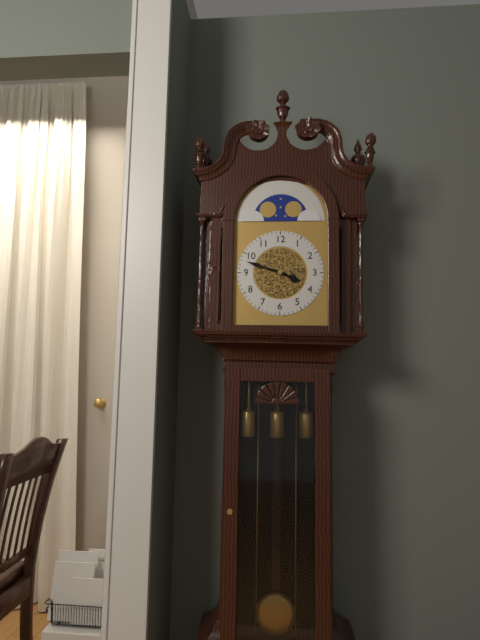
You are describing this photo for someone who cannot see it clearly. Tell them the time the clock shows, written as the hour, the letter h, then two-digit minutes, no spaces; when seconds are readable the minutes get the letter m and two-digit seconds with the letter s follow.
3h48
